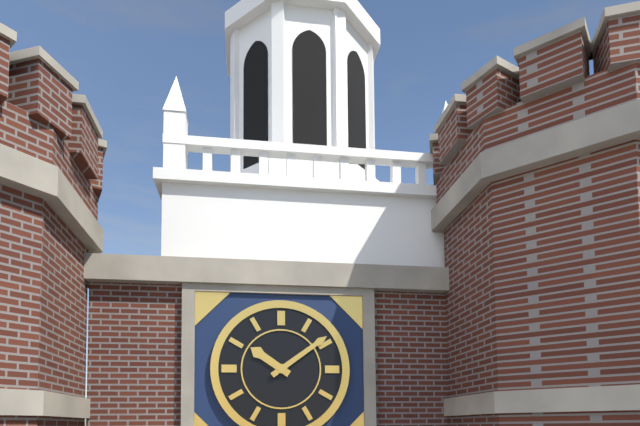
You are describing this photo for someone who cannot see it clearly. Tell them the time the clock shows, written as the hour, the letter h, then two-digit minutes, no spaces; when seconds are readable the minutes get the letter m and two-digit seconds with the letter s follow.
10h09
